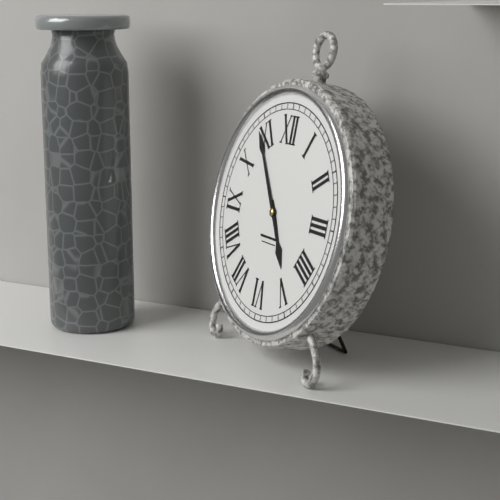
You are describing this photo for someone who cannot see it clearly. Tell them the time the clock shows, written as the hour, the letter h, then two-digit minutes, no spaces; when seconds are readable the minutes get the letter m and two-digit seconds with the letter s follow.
4h54
